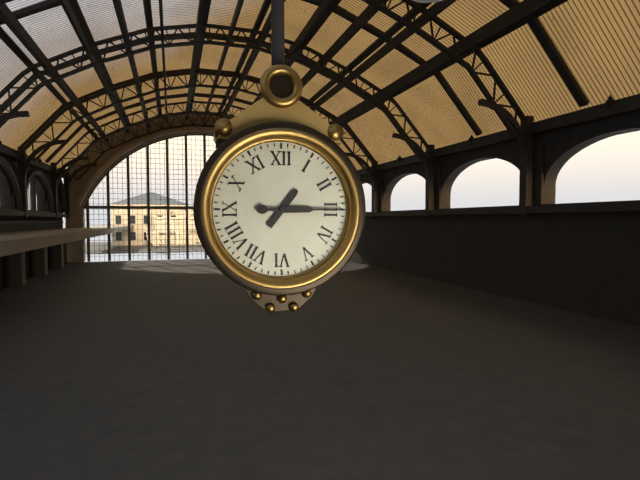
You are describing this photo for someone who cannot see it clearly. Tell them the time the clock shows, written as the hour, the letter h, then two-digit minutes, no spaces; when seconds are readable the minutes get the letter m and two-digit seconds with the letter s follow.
1h15
